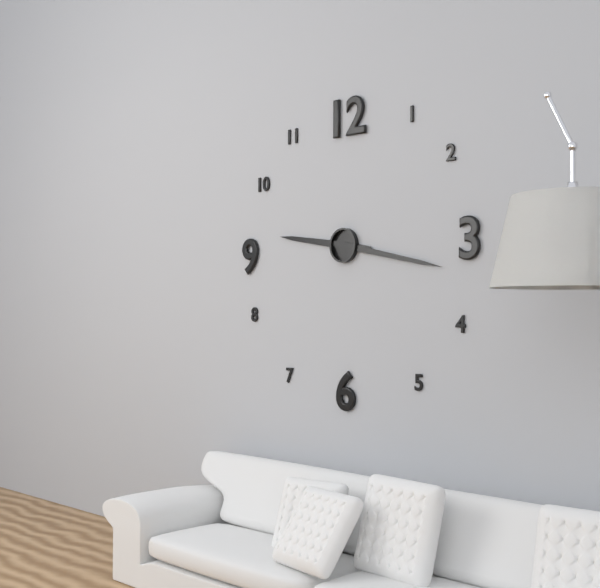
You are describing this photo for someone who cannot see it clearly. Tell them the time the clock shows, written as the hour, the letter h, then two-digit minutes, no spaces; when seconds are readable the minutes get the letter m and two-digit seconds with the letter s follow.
9h17
